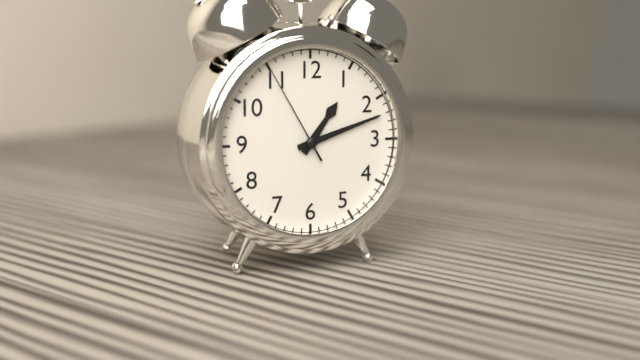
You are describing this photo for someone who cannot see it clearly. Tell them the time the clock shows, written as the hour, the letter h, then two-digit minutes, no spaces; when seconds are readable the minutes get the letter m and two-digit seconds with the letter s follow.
1h12m55s
